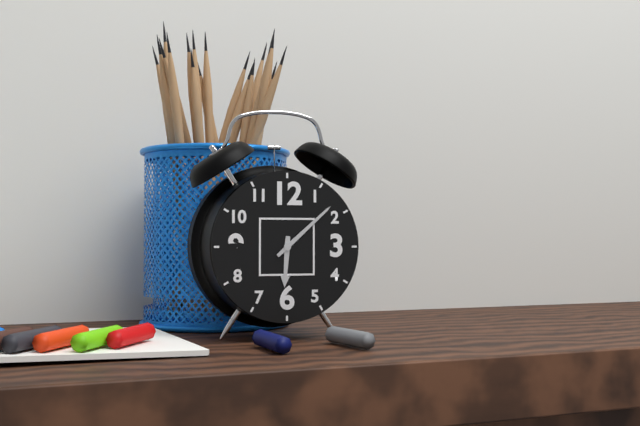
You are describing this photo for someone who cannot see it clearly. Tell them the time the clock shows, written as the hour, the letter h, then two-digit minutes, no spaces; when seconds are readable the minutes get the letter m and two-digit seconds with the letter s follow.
6h08
